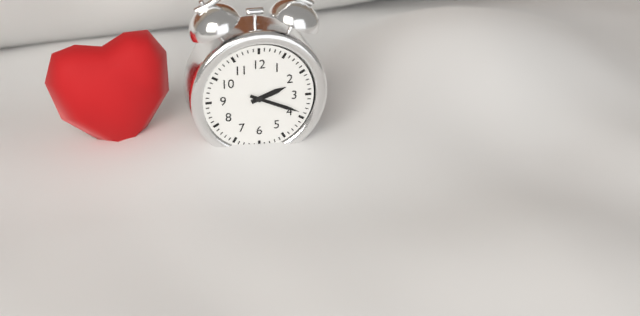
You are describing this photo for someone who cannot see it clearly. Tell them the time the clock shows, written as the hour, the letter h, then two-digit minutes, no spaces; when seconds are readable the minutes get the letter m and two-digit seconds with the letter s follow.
2h19
